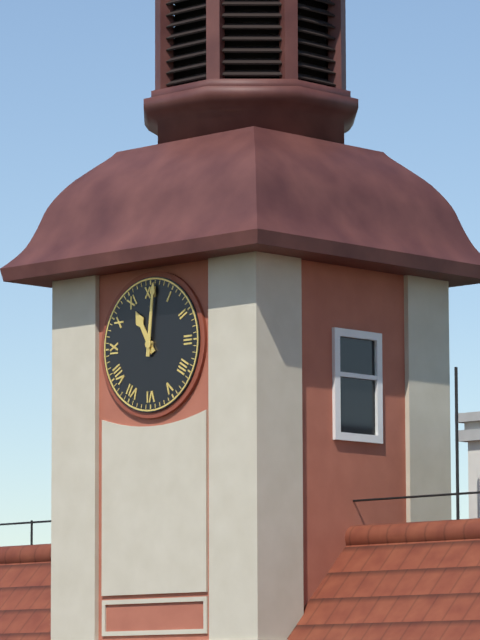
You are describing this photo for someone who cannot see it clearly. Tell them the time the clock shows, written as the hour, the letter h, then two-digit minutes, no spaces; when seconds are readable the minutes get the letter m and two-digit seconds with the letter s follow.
11h01
